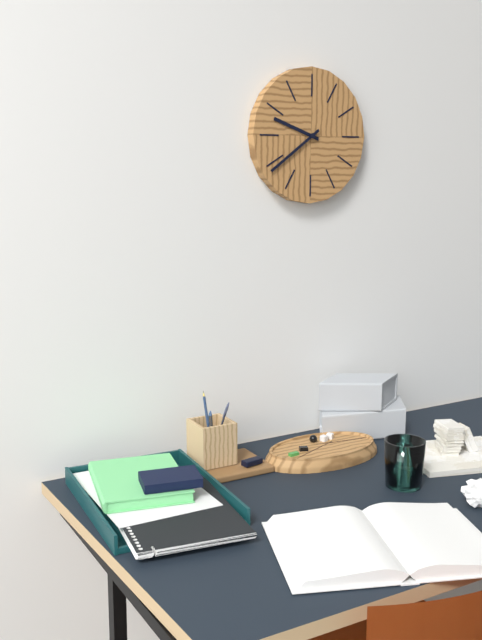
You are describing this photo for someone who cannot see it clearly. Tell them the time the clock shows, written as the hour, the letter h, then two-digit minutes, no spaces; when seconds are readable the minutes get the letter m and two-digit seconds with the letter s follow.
9h39
